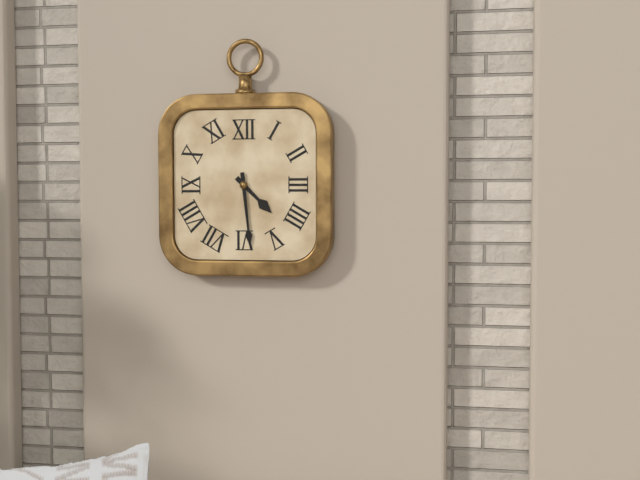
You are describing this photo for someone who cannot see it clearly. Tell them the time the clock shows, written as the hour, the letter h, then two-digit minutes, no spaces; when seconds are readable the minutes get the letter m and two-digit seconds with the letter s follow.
4h29
